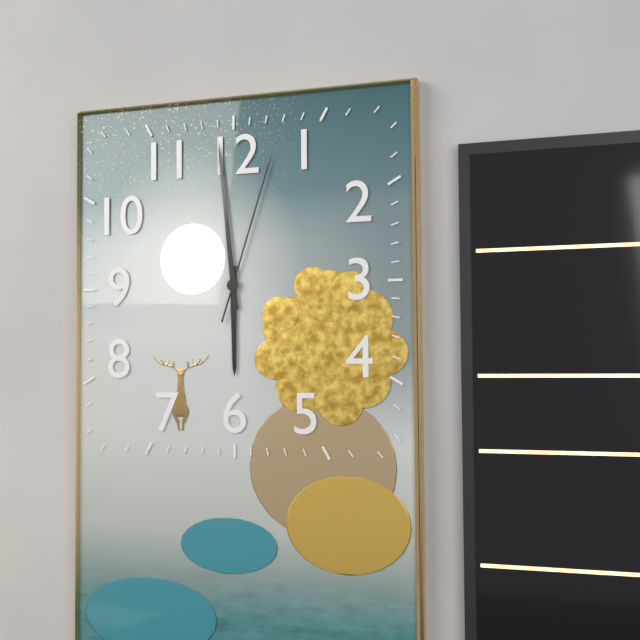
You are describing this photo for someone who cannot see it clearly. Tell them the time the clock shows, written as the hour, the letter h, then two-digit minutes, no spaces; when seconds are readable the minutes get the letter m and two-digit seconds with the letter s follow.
5h59m03s
